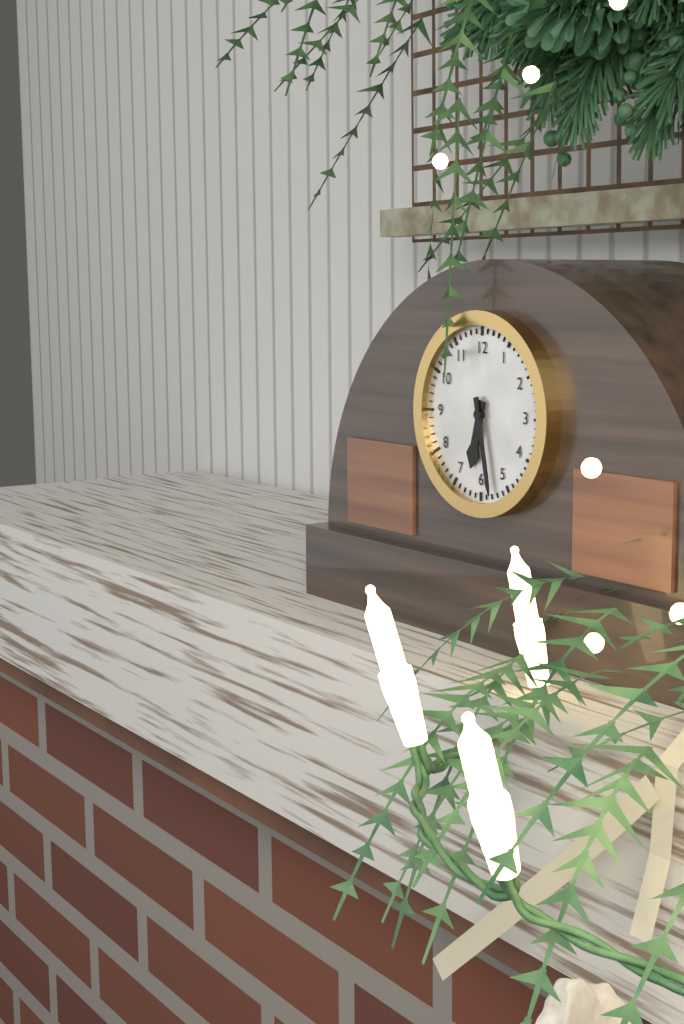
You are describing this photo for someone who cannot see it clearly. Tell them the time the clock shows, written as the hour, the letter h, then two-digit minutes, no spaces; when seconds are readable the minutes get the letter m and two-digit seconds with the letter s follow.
6h28
